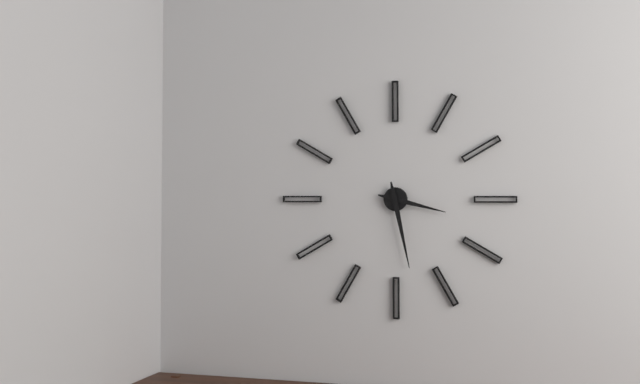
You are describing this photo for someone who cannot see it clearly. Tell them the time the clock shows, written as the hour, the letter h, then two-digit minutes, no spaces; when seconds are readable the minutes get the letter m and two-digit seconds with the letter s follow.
3h28
